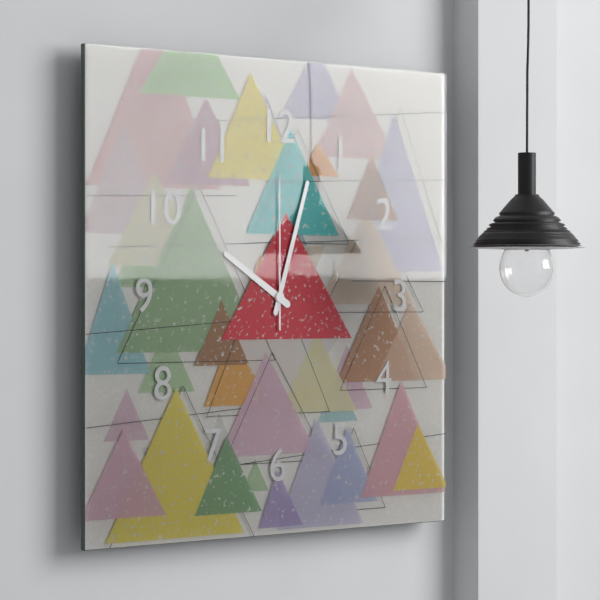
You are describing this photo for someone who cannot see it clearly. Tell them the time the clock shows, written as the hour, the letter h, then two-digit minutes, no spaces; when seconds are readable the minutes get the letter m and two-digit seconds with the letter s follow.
10h03m00s
